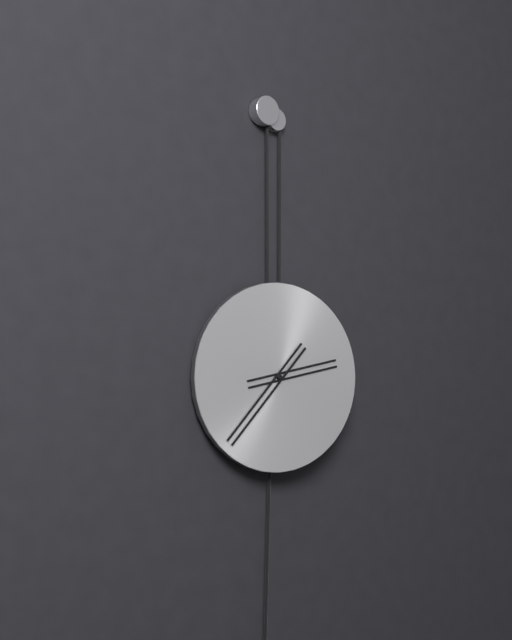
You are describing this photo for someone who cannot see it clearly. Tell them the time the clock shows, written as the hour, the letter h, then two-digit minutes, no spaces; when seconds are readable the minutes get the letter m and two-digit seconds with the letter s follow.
2h37
